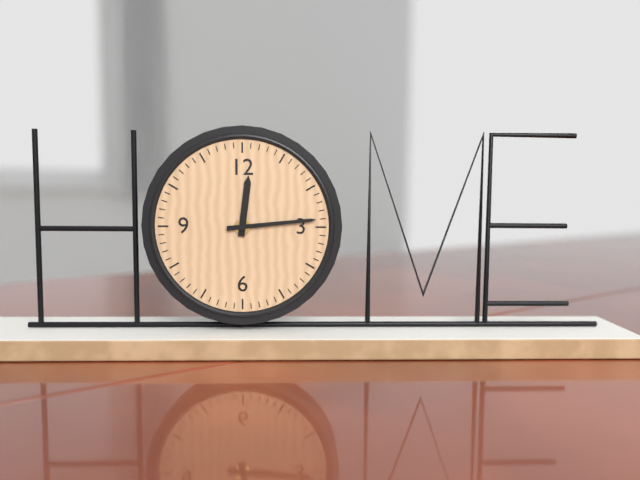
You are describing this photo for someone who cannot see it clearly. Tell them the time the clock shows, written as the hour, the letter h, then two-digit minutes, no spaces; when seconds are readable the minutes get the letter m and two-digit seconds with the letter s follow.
12h14
